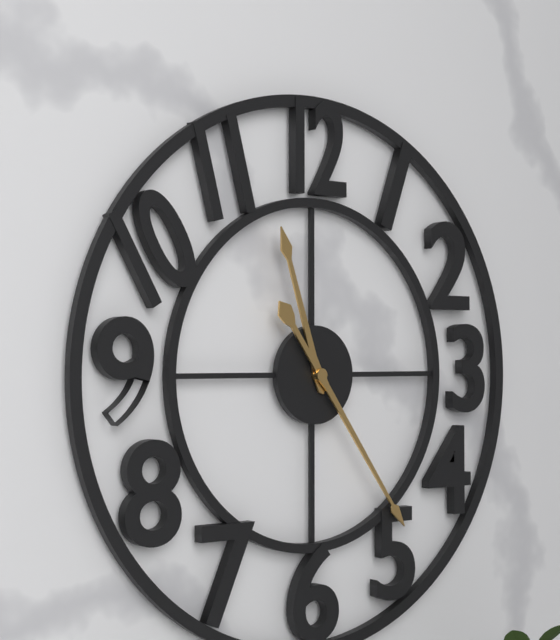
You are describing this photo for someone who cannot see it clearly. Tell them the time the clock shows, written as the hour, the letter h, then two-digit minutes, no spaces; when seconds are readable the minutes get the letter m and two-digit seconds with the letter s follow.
11h24
